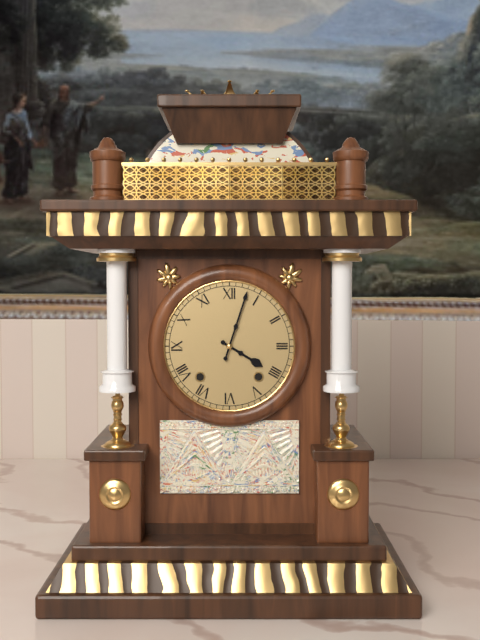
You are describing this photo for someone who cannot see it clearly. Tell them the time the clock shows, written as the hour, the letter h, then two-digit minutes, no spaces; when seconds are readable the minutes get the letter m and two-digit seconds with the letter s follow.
4h03
